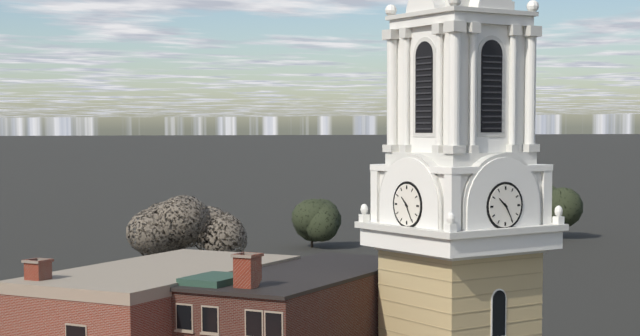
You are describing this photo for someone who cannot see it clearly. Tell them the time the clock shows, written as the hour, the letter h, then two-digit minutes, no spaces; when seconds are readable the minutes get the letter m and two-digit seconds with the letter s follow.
10h25
